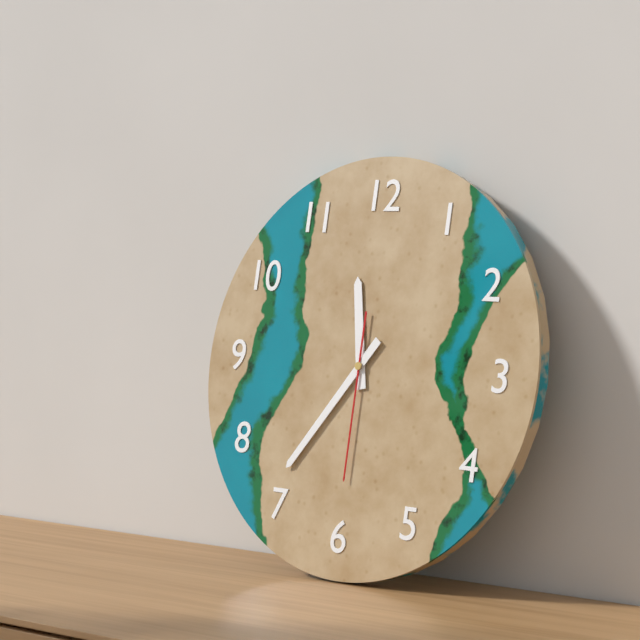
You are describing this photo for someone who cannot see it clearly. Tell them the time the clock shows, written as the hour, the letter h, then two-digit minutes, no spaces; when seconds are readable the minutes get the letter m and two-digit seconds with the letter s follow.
11h36m30s
